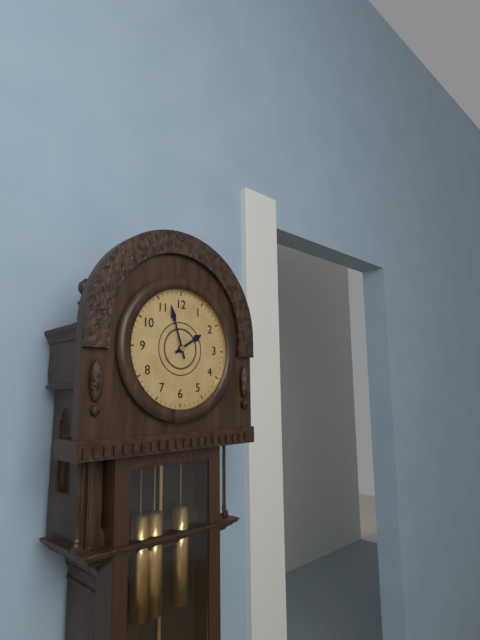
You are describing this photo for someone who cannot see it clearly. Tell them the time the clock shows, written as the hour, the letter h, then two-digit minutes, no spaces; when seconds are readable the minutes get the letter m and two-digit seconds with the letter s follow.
1h57
